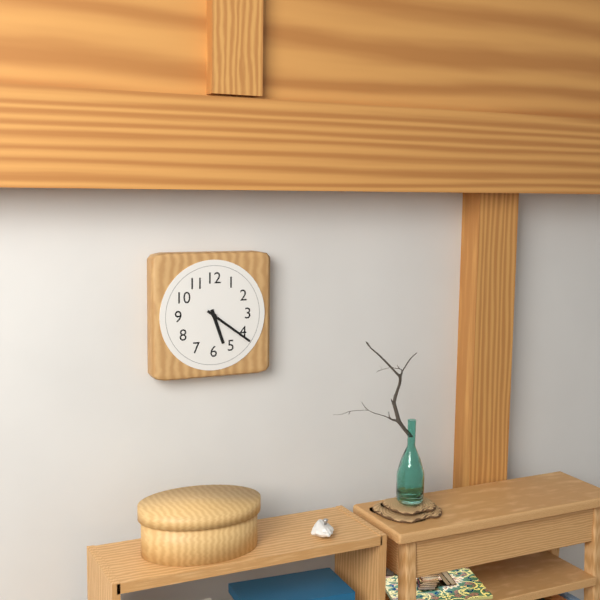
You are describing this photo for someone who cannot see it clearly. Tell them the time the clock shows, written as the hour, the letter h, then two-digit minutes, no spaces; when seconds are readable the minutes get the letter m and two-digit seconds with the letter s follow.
5h21
